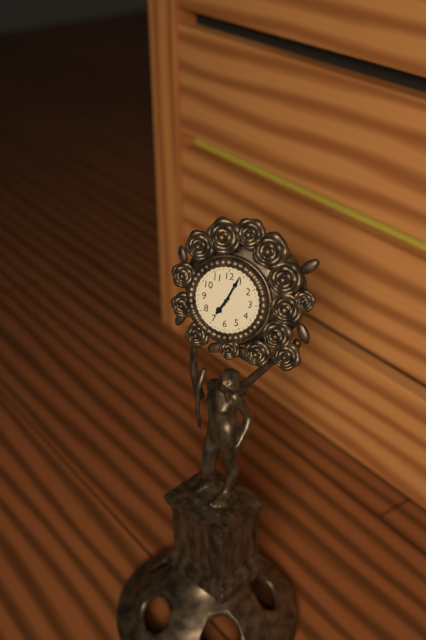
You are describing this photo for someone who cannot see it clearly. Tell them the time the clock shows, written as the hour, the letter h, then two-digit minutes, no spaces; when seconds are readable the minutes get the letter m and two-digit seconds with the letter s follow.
7h04
